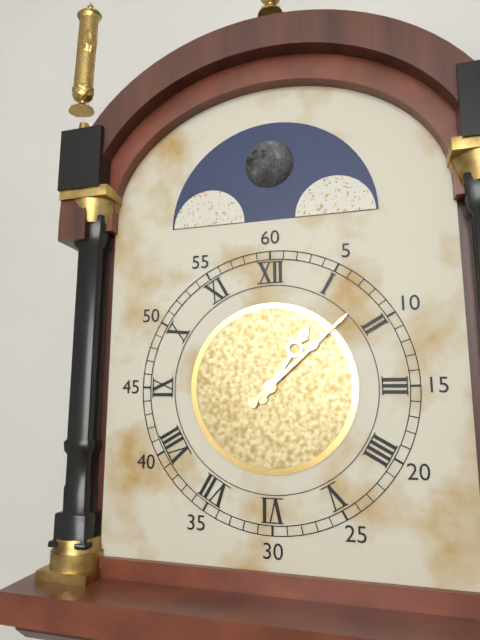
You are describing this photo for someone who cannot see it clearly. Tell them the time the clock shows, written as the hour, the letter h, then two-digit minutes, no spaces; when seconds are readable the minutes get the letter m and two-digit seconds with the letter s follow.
1h08
